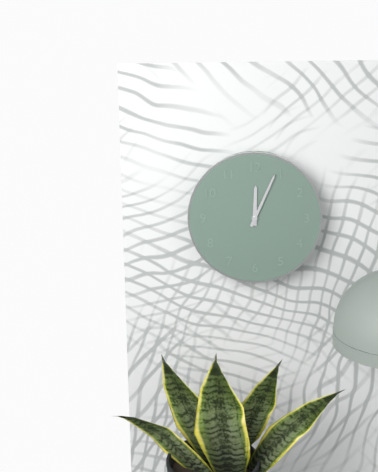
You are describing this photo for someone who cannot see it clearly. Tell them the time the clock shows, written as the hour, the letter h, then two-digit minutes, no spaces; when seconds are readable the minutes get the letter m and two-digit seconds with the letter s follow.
12h04
